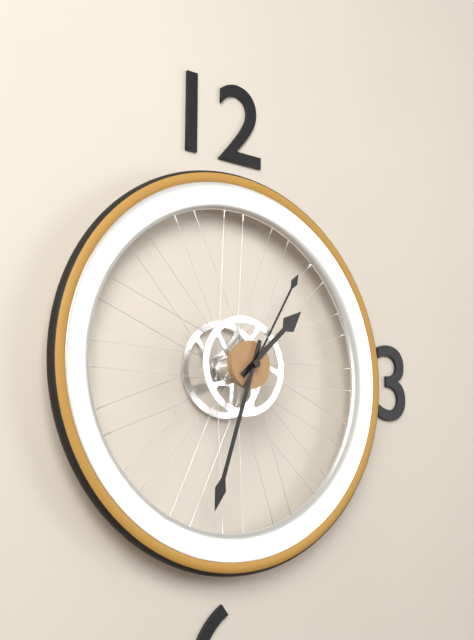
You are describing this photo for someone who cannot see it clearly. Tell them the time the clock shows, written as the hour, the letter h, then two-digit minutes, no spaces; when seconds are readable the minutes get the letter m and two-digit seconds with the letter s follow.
1h33m05s
